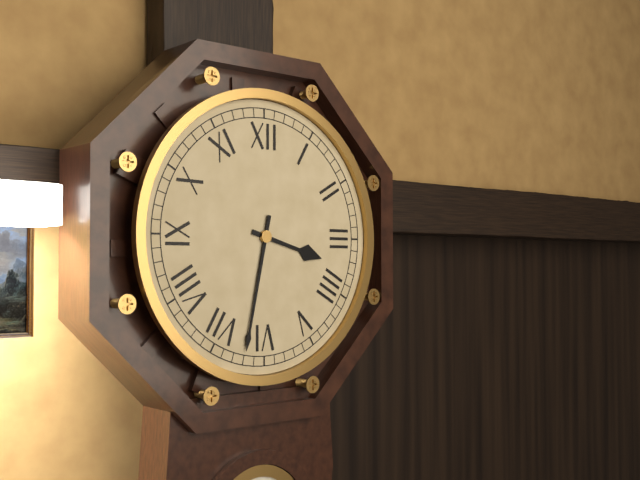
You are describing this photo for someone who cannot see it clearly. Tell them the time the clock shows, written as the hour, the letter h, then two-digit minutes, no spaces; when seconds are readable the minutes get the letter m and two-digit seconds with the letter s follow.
3h32
